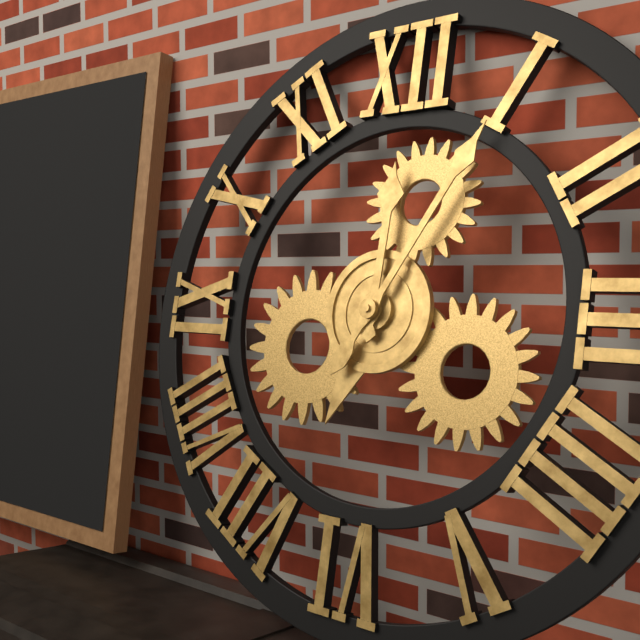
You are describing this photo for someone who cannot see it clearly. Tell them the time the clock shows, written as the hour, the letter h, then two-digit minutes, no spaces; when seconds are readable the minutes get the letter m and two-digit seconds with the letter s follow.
12h05
